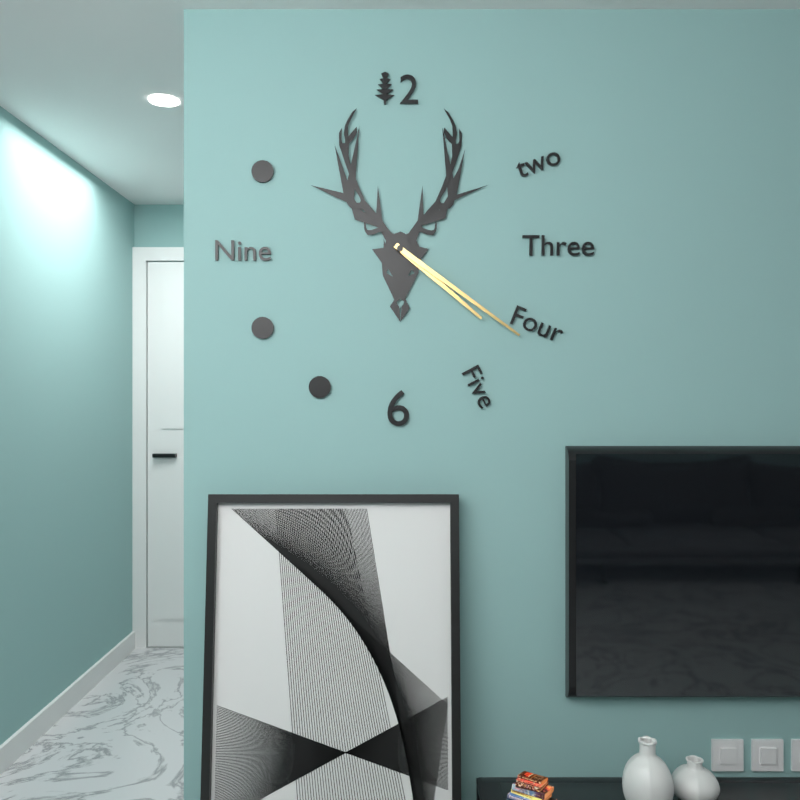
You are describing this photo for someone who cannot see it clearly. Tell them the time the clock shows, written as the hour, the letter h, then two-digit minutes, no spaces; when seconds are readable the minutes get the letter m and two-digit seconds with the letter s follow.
4h21
